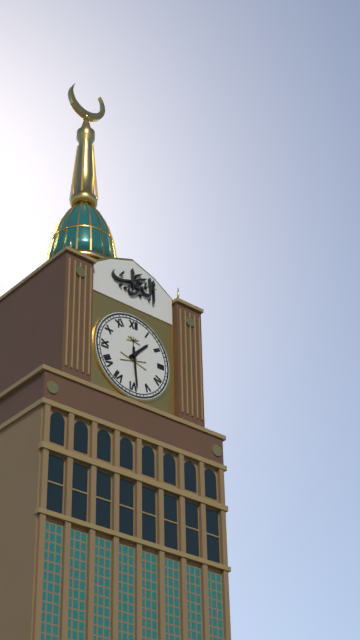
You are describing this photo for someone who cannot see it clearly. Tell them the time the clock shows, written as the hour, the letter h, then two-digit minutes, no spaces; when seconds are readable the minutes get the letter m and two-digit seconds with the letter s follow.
1h29
